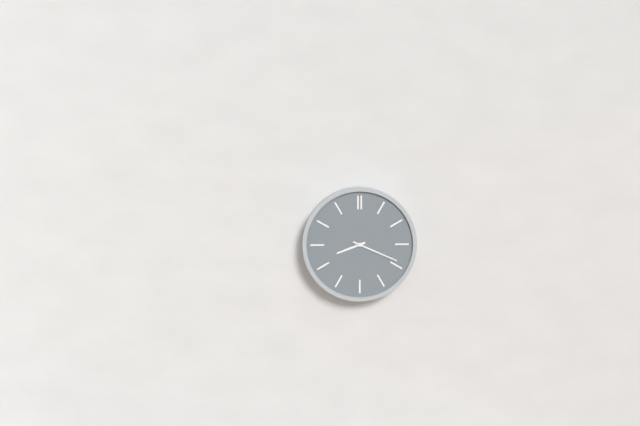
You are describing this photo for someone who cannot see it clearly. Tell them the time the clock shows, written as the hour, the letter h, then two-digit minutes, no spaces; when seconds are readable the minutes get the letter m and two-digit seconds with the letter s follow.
8h19
